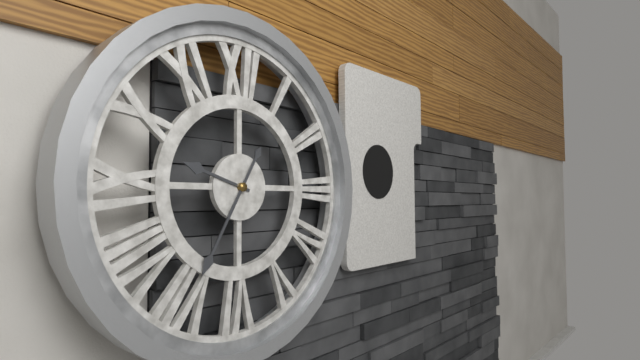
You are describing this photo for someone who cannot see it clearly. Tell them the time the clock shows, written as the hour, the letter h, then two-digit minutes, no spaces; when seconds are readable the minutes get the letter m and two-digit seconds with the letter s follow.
9h35
